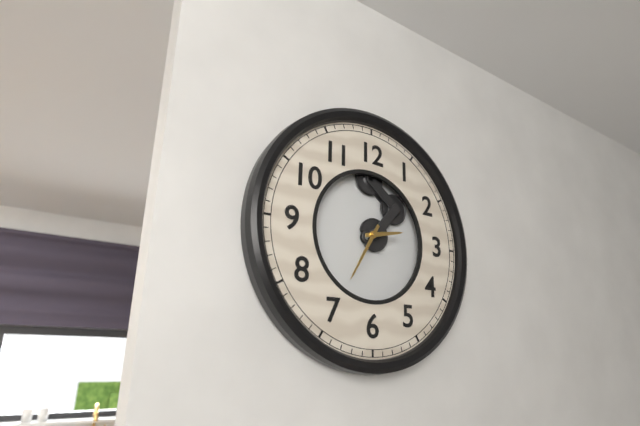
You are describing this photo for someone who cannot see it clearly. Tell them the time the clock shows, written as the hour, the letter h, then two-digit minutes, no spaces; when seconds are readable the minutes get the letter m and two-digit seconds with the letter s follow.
2h35
